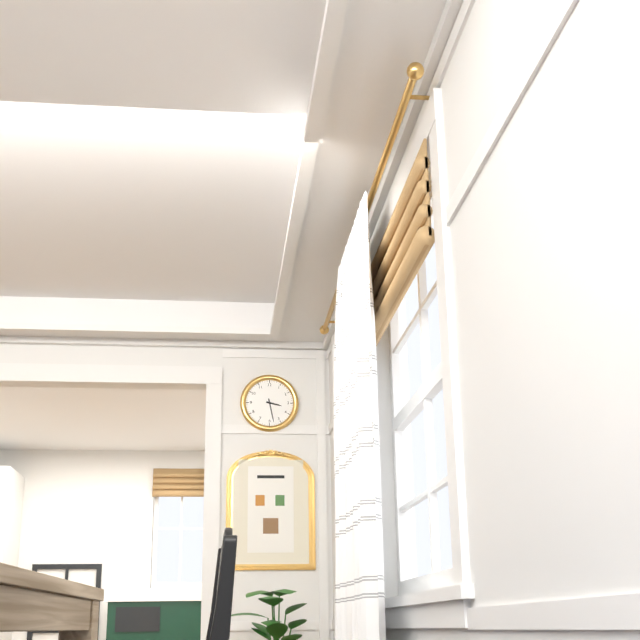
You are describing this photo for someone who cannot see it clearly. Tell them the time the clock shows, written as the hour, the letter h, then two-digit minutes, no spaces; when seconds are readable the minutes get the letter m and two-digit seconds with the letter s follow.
3h28
